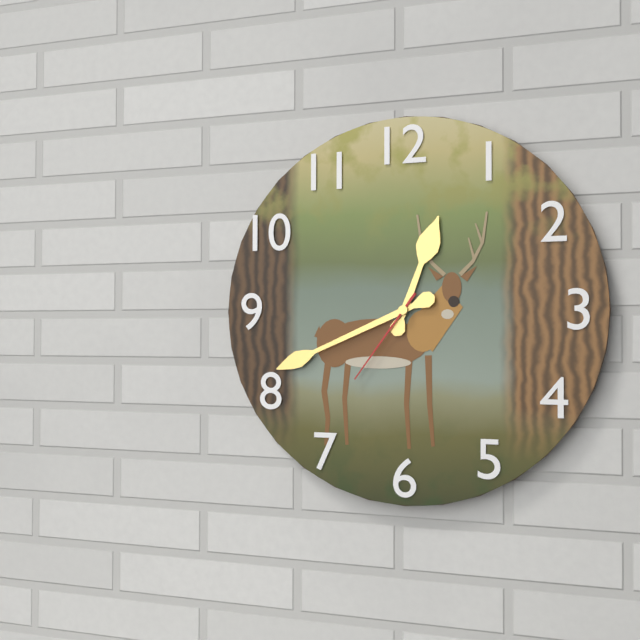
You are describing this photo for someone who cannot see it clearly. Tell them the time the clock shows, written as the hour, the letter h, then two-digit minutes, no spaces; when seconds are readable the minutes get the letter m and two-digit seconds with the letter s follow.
12h41m36s
